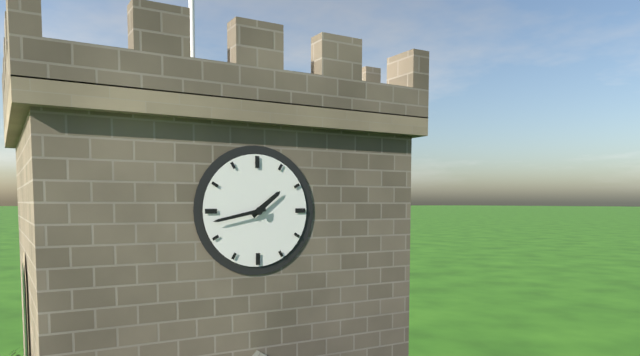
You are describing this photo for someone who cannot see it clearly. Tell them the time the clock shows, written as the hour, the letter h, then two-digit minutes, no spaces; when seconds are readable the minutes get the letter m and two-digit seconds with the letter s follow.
1h43
